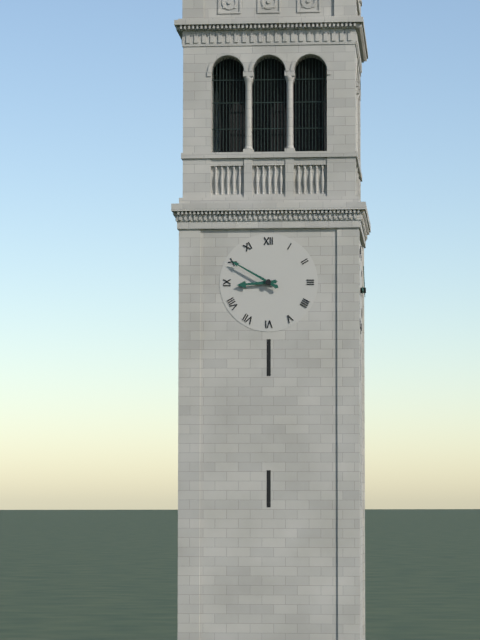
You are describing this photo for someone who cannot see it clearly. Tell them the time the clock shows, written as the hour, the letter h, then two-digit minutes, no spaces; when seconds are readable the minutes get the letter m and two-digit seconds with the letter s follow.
8h50
